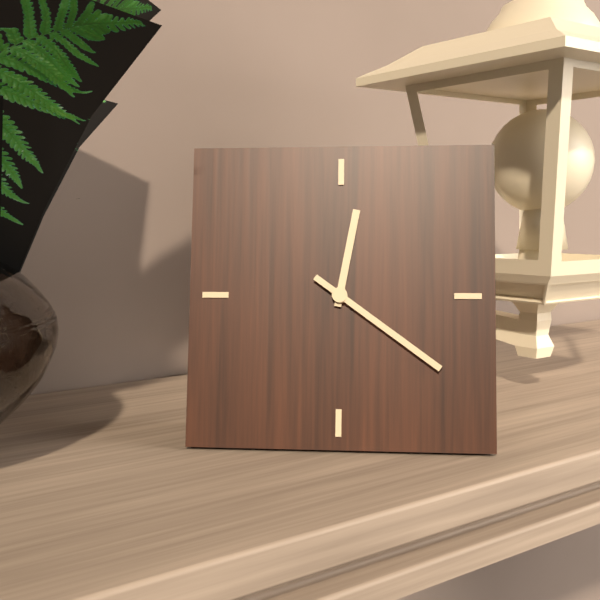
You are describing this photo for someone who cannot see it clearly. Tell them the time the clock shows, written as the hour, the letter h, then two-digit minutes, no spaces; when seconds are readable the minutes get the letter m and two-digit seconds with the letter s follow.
12h21
